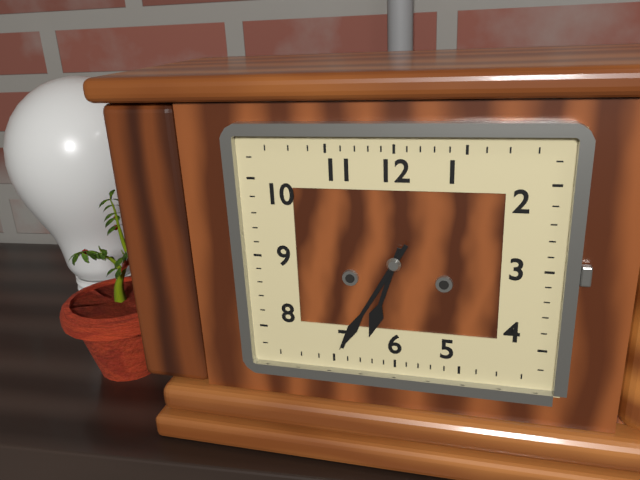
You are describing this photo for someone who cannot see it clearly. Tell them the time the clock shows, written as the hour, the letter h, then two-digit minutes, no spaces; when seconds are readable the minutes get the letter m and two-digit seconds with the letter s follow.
6h35
